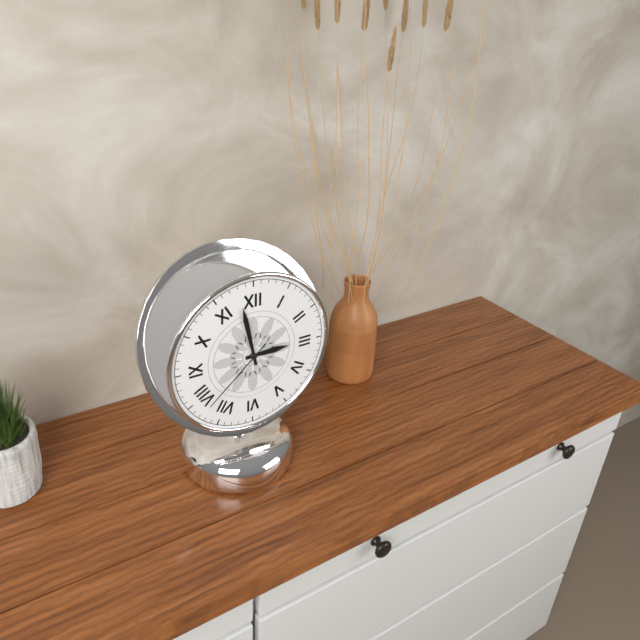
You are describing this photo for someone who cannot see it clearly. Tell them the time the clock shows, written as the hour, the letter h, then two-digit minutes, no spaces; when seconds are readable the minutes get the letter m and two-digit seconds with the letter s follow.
2h58m38s
